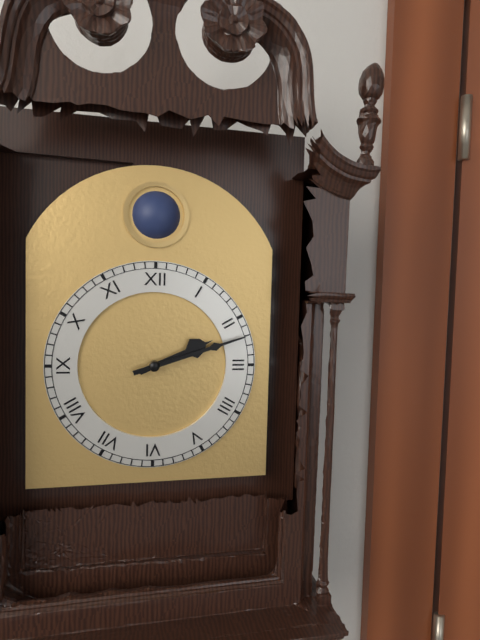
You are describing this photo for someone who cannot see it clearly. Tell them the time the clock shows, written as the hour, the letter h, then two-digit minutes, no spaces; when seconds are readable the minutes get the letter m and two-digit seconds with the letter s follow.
2h12
